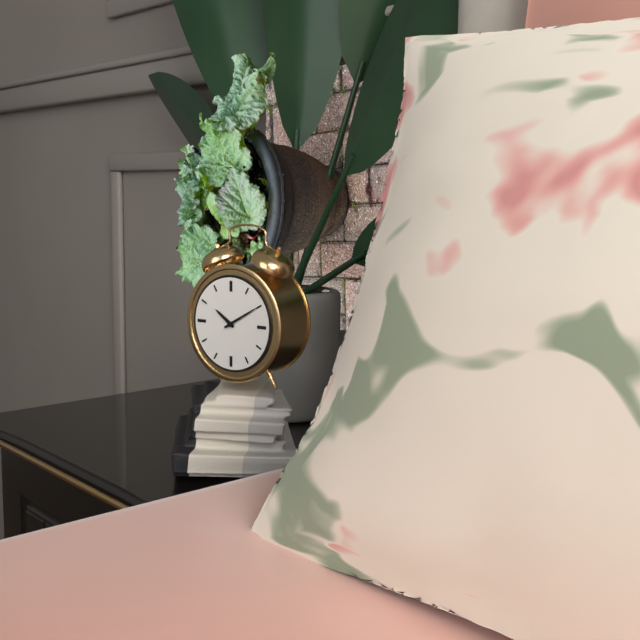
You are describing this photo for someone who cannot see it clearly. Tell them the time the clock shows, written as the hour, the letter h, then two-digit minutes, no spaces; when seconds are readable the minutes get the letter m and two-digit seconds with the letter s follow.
10h10
